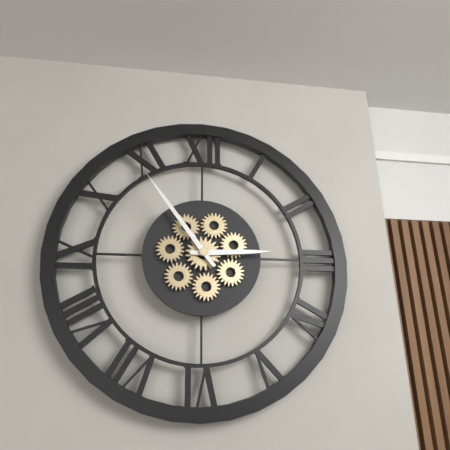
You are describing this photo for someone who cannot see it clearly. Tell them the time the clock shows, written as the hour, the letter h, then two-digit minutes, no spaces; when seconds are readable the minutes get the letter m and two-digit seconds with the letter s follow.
2h54
